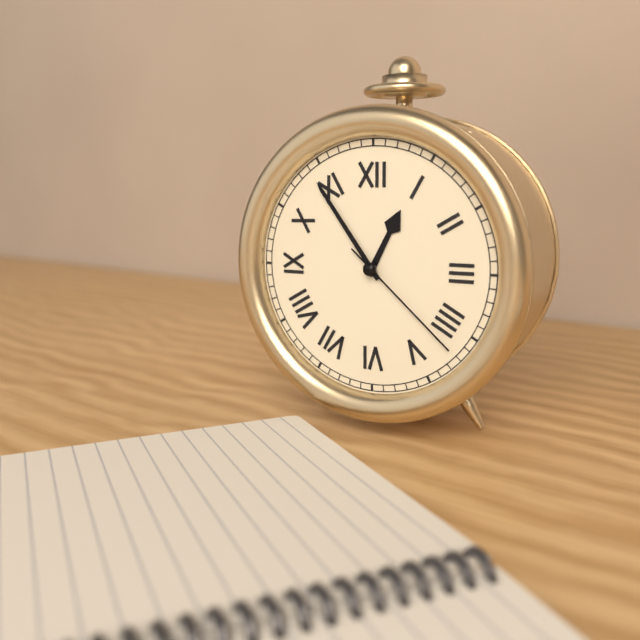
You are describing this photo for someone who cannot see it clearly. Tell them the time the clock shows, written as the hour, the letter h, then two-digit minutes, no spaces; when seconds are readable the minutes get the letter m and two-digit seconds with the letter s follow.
12h54m22s
